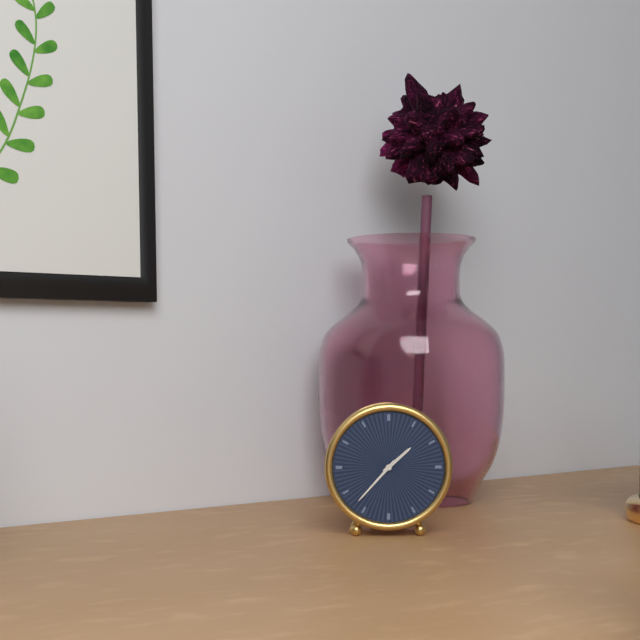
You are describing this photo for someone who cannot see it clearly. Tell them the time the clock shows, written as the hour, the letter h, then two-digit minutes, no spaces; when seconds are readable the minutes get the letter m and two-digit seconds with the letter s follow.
1h37
